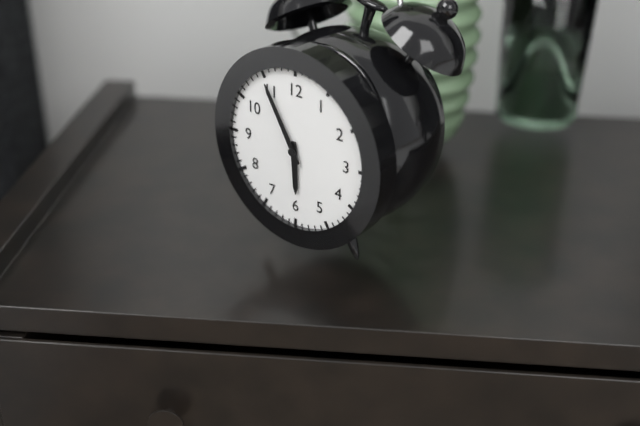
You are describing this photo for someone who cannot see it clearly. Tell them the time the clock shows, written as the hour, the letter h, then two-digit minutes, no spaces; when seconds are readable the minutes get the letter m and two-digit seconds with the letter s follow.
5h55
